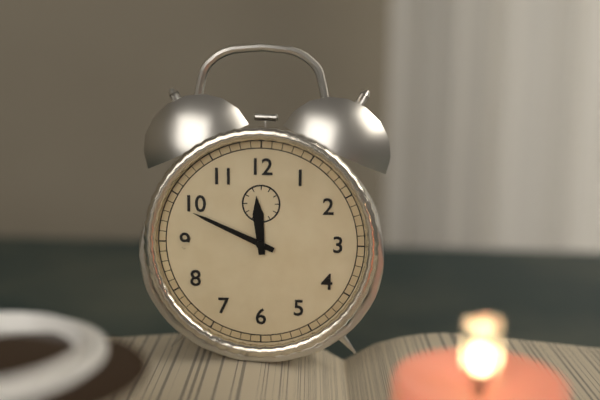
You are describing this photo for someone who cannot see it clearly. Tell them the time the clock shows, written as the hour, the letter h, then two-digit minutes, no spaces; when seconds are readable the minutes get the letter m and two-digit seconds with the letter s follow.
11h49
